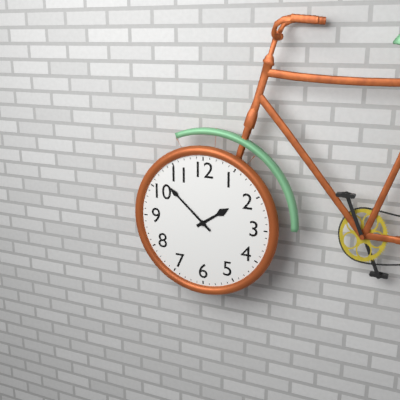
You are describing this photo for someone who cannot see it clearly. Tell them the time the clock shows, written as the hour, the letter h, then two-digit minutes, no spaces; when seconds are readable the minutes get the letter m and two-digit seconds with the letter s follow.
1h52
